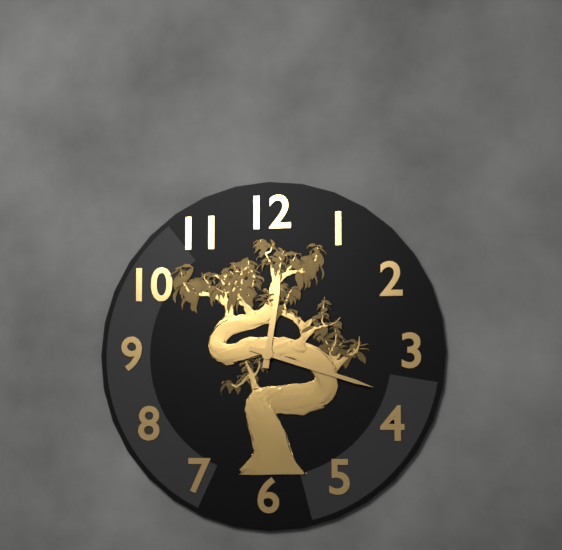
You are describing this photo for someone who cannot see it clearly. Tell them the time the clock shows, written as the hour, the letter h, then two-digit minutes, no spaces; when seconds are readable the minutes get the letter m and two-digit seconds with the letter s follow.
12h18
